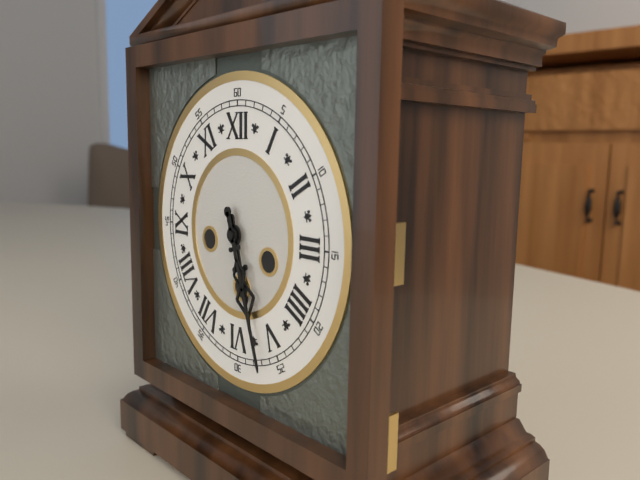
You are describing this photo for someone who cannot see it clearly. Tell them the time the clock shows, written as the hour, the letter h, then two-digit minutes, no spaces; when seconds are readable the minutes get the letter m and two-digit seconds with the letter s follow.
5h27
